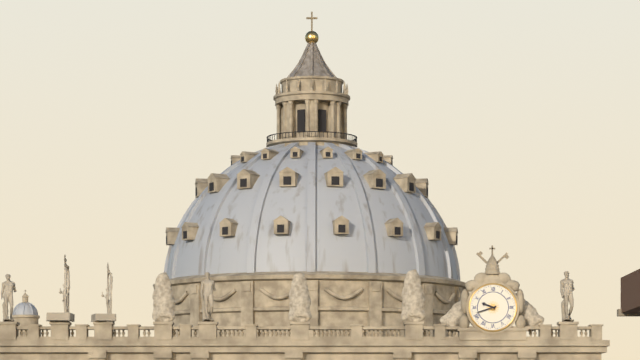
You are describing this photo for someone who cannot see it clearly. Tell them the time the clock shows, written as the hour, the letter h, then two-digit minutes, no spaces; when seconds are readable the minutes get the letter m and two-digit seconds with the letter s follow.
9h42
